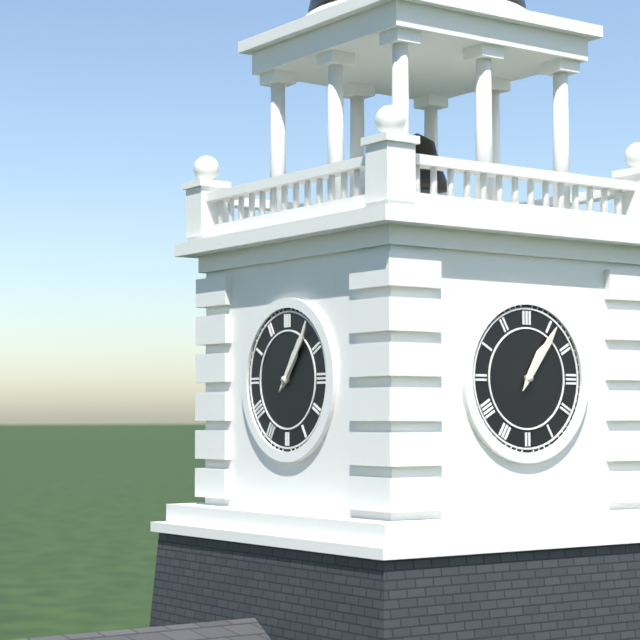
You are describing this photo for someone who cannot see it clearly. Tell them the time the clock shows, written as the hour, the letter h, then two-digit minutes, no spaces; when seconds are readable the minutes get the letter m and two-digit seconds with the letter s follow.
1h06
